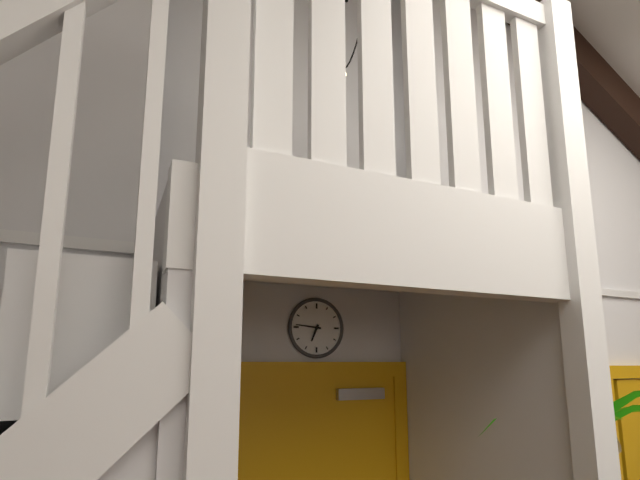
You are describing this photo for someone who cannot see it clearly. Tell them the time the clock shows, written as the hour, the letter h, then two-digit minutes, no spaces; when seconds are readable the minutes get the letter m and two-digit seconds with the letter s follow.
6h46
